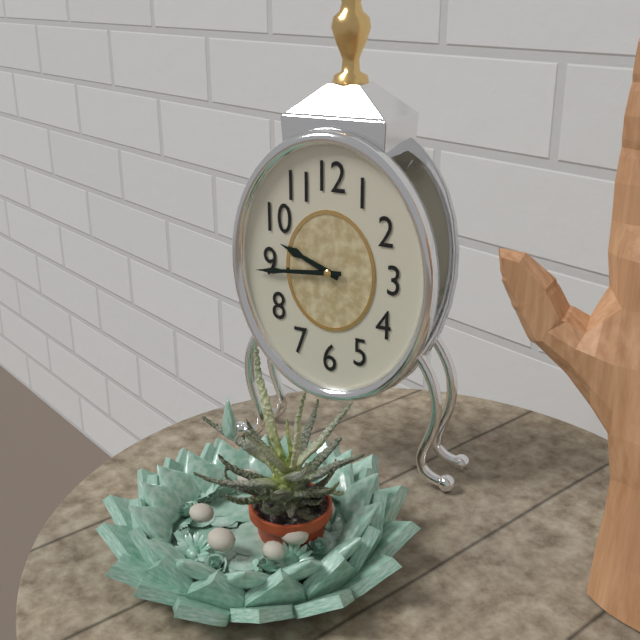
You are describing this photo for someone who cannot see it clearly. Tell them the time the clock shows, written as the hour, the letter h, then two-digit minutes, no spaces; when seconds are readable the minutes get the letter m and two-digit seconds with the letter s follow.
9h44
